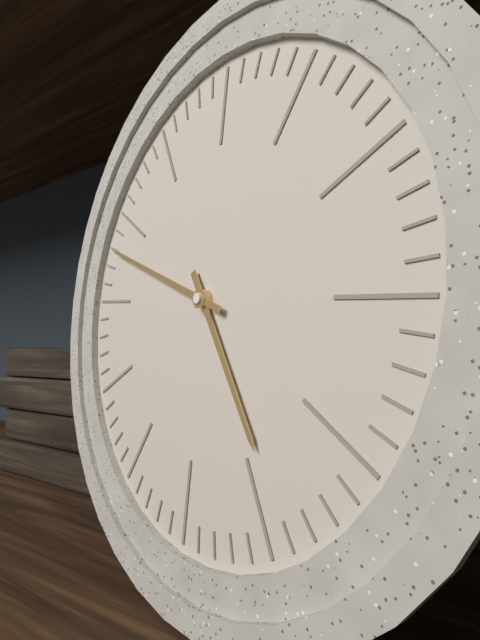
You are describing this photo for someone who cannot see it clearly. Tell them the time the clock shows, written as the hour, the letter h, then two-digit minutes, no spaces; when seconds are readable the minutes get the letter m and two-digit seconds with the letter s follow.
4h48
